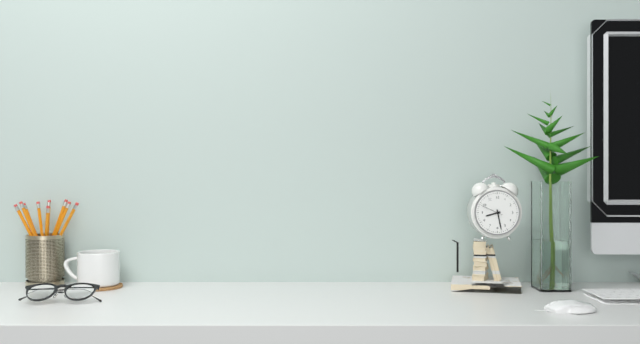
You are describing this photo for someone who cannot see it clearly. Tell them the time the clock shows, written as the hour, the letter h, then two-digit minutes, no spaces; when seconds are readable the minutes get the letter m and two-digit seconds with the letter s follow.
8h28
